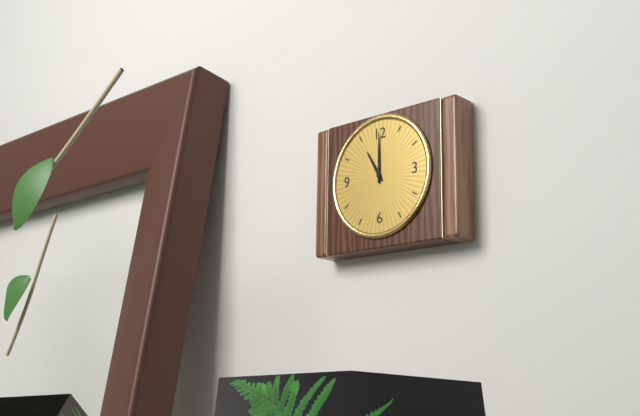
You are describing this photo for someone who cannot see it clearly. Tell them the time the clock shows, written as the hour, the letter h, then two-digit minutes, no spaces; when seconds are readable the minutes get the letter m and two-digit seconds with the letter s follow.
11h00
